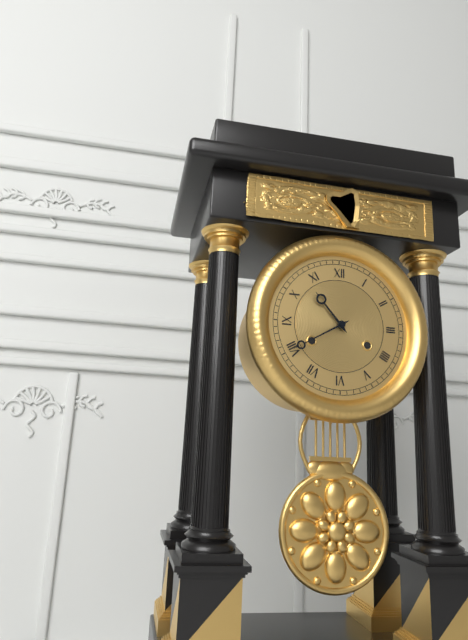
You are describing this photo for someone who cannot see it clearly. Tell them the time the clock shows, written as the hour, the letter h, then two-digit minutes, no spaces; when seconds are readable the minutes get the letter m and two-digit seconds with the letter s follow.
10h40
